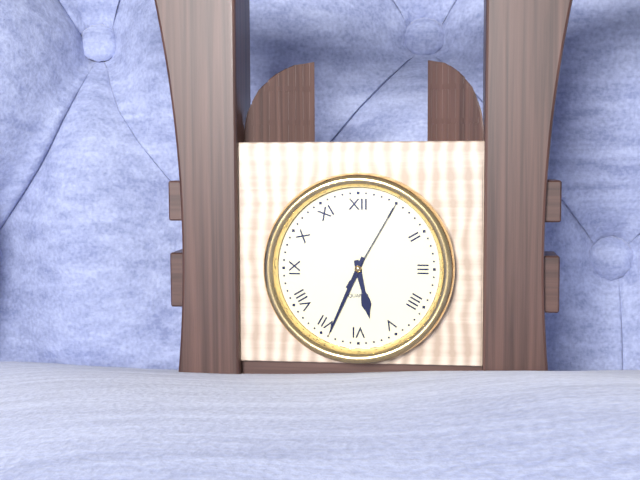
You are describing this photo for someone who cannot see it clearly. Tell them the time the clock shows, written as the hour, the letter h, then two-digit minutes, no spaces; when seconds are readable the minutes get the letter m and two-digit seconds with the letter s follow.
5h34m05s
